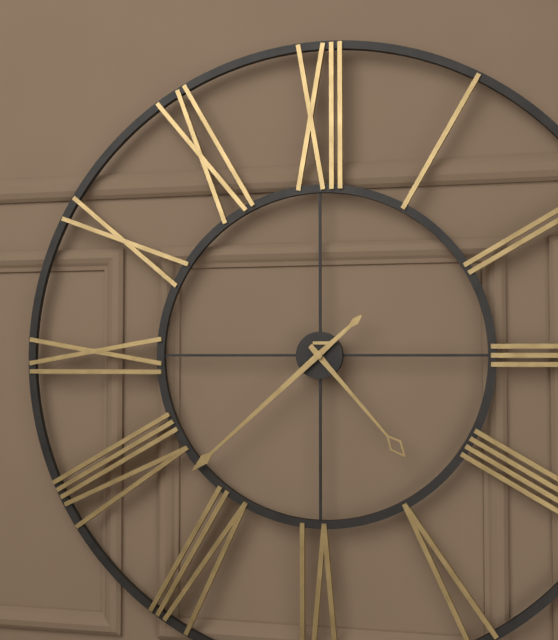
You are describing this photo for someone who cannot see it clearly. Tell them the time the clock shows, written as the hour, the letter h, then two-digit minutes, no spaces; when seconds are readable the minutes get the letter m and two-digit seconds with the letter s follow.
4h38
